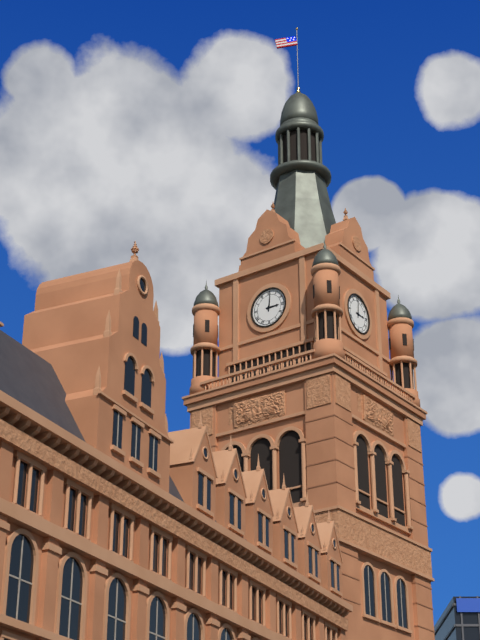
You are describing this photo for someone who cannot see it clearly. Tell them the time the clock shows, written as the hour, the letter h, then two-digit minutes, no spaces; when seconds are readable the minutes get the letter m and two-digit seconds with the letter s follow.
3h01
